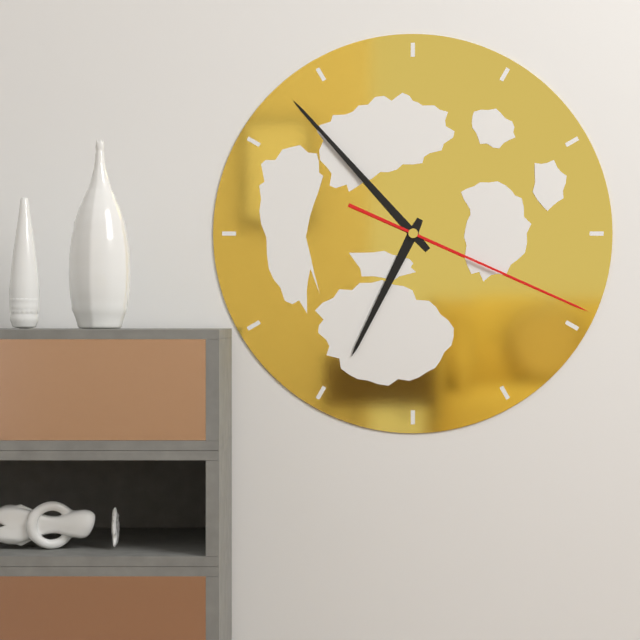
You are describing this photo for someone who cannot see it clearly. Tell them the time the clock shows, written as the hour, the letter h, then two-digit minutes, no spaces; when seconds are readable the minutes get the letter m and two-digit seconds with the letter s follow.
6h53m19s
